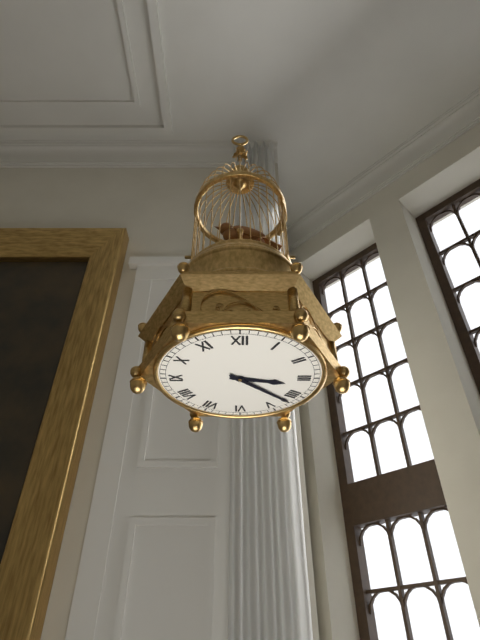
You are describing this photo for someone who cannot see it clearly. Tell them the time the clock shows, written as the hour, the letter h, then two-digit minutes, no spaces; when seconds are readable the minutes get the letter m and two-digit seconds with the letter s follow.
3h22
